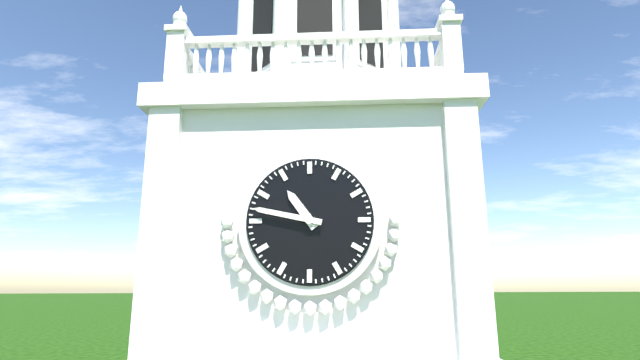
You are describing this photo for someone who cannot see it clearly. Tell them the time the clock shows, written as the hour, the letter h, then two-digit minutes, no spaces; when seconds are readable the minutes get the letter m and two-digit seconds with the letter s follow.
10h47
